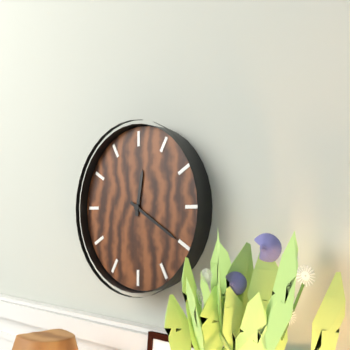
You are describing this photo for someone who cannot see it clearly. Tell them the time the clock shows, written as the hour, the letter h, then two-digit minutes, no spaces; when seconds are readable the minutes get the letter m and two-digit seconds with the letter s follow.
12h20
